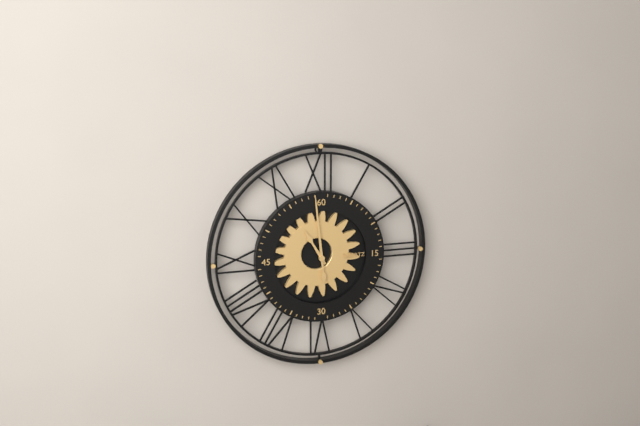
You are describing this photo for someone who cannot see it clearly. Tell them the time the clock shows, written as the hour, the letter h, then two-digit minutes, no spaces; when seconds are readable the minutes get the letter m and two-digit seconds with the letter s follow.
10h59
